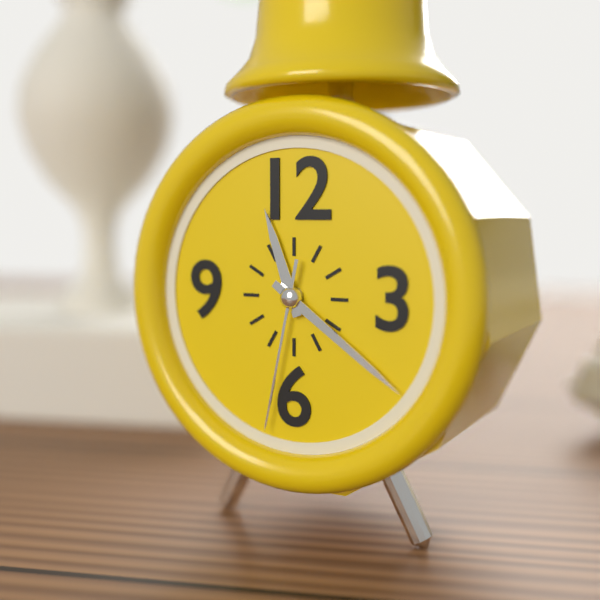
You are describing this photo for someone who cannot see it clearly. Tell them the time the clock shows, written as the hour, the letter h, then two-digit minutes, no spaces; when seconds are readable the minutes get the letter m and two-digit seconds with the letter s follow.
11h21m32s
